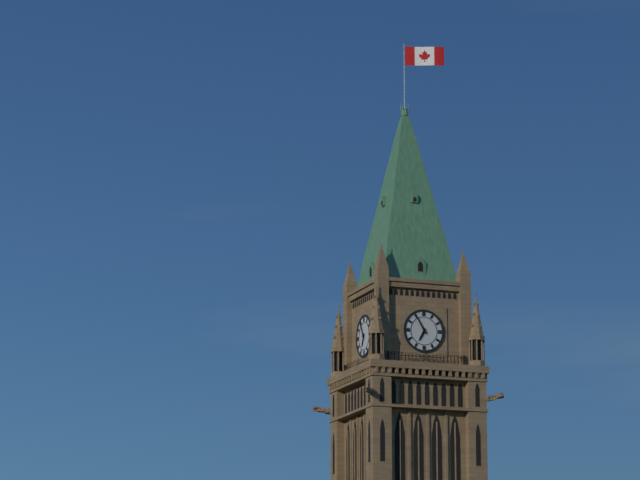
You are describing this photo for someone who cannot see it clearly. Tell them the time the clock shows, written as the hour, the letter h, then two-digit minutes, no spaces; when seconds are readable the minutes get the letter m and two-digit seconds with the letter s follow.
6h55
